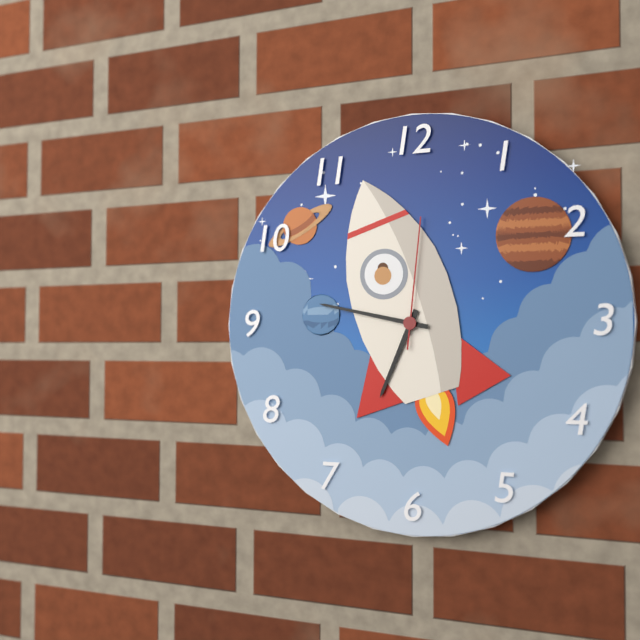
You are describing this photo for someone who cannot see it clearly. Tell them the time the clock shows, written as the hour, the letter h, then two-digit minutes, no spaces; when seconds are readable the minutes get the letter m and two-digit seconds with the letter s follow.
6h47m01s
